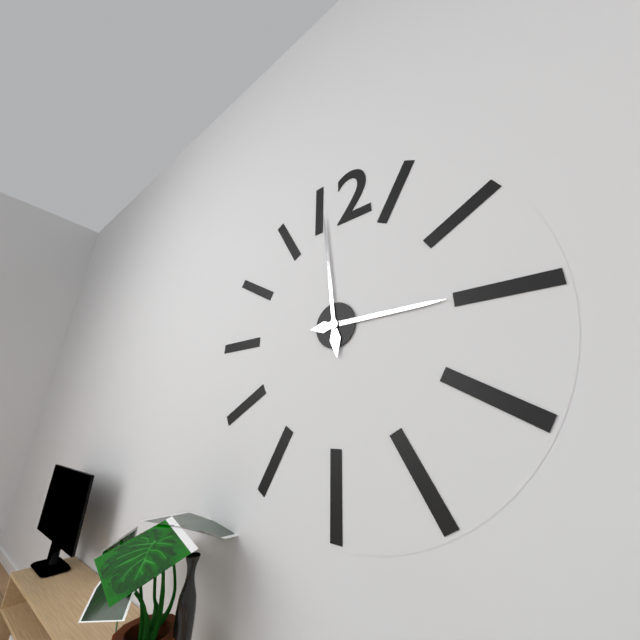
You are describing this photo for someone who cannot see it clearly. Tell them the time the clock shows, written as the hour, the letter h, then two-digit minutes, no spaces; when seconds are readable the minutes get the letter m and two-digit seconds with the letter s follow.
2h59
